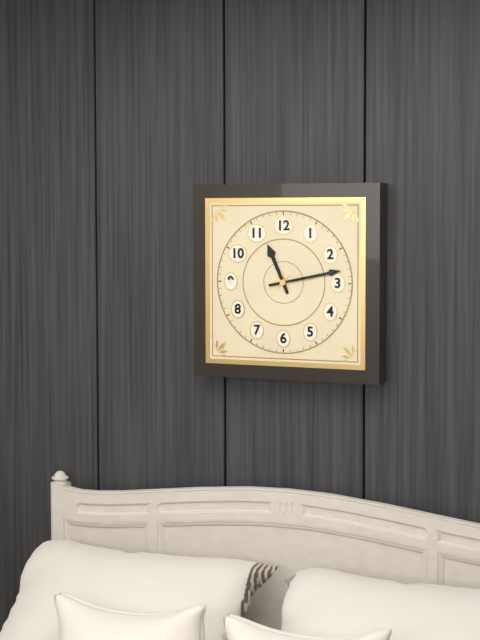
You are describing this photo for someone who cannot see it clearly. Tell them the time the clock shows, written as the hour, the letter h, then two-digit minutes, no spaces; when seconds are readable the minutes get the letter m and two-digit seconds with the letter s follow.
11h13
